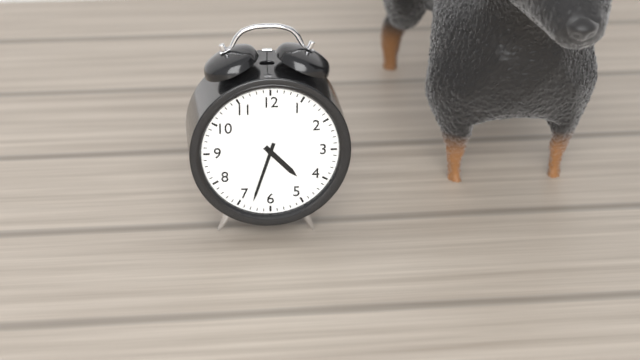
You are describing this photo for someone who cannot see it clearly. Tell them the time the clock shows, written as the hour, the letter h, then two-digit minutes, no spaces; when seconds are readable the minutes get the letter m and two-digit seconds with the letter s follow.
4h33
